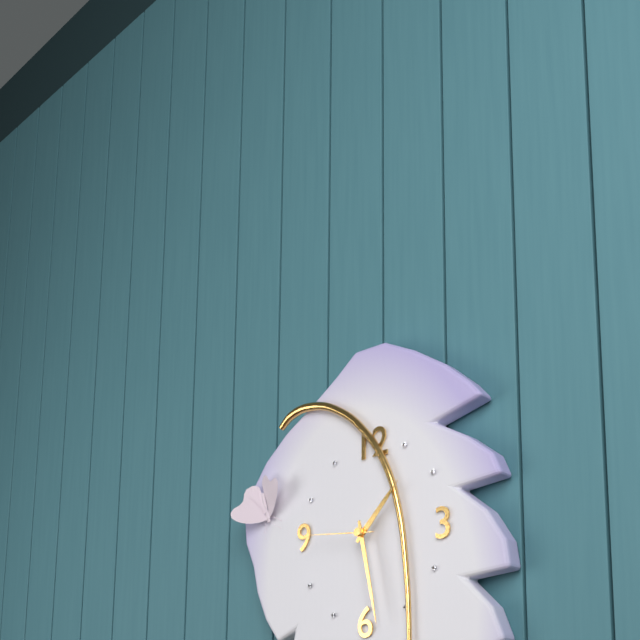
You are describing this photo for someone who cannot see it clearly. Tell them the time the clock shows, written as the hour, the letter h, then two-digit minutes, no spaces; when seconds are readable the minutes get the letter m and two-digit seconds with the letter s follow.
1h28m46s
